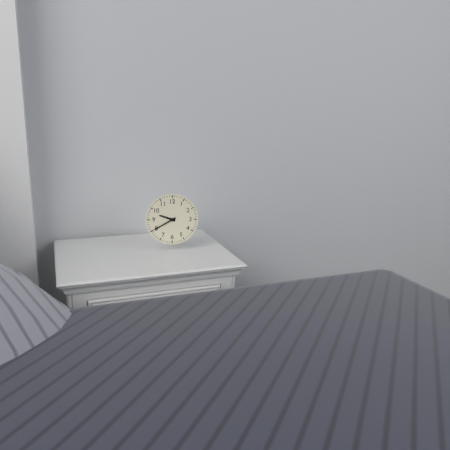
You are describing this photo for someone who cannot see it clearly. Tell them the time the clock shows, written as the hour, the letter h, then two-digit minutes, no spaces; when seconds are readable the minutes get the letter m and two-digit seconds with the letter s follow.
9h40
